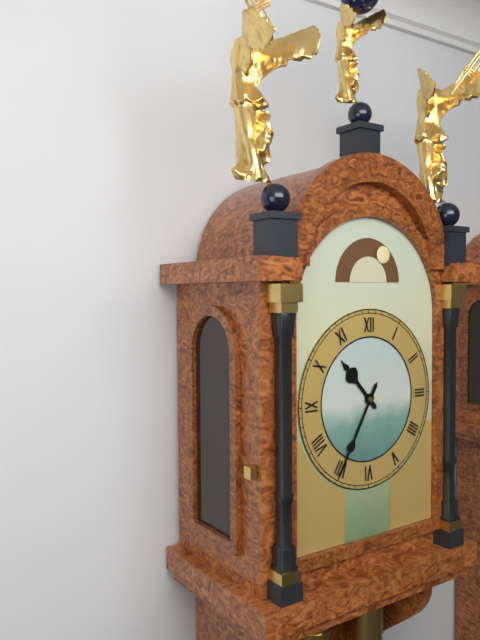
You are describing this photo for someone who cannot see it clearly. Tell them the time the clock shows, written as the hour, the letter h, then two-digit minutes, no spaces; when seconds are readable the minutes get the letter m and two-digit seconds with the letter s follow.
10h35
